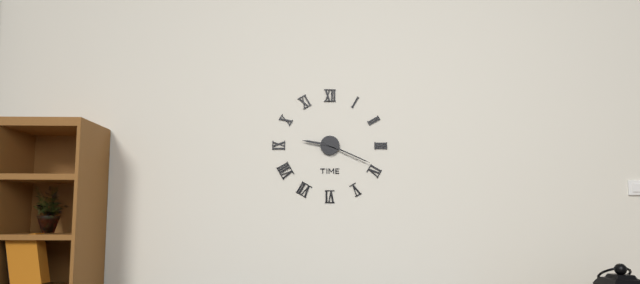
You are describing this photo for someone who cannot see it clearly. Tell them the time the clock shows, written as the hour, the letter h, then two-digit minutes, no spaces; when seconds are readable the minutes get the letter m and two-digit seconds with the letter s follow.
9h19
